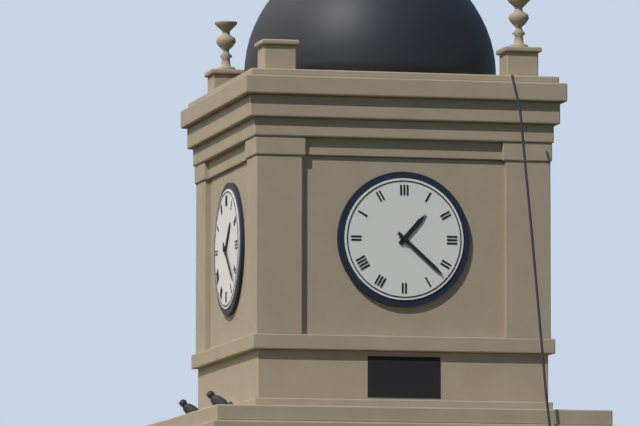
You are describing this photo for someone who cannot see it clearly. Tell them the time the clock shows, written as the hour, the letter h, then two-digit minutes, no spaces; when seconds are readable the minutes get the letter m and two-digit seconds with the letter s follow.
1h22
